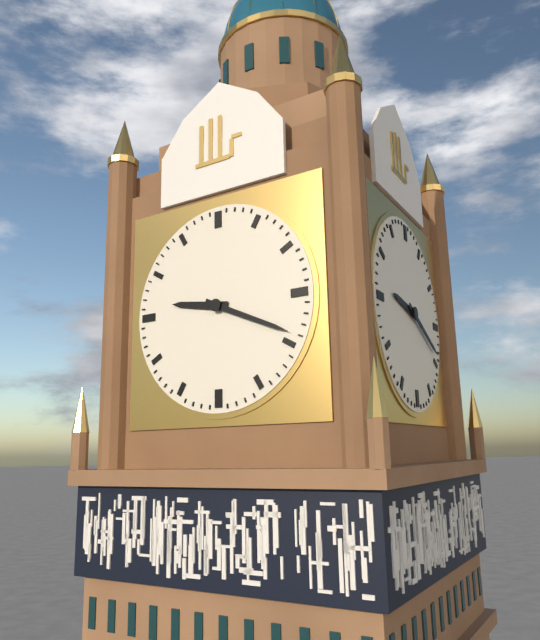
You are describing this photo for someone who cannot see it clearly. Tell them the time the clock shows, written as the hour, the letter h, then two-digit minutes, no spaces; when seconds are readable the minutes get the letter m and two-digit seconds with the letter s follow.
9h19
